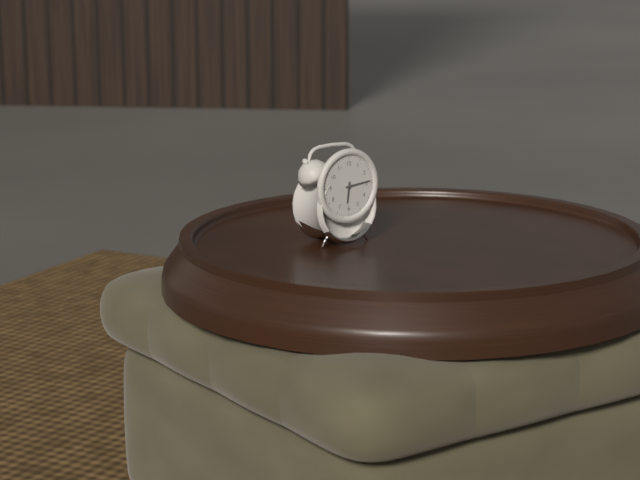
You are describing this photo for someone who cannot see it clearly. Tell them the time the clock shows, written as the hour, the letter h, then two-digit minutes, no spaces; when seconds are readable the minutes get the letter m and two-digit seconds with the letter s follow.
6h14
